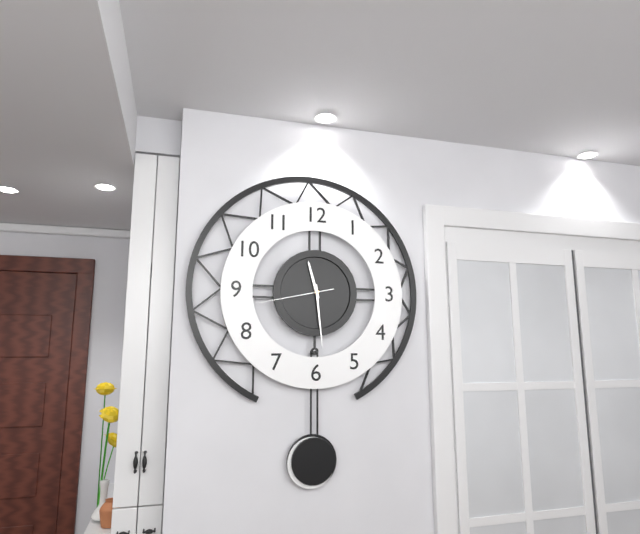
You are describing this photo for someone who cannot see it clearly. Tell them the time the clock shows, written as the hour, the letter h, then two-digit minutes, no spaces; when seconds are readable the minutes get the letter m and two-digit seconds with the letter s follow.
11h29m43s
